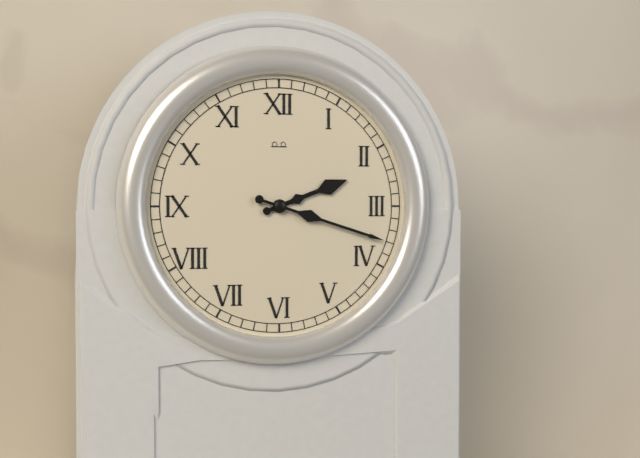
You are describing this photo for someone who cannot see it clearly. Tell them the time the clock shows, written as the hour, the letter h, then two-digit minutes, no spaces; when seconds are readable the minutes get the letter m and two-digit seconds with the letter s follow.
2h18
